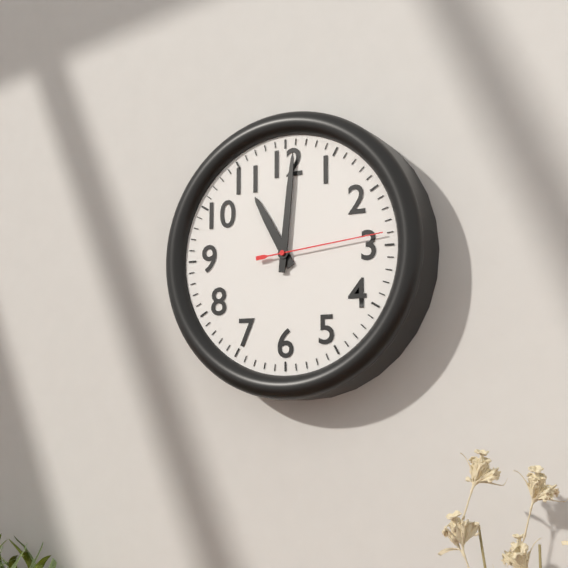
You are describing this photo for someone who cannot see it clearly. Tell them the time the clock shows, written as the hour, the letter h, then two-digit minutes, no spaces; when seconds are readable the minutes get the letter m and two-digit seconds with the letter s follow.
11h01m14s
